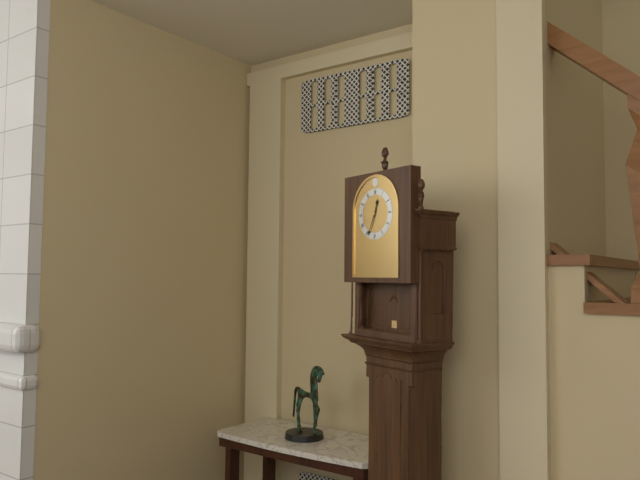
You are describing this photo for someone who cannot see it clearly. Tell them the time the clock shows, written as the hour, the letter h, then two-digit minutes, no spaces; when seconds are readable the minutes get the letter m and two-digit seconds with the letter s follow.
12h34
